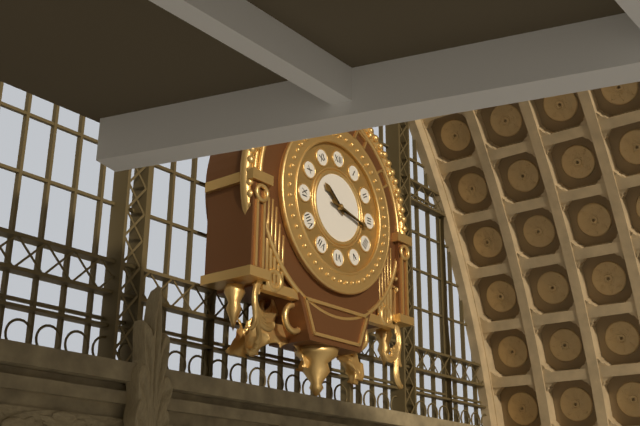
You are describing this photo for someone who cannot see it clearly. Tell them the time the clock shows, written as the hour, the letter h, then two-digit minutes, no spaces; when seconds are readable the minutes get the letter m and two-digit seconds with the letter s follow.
10h17
